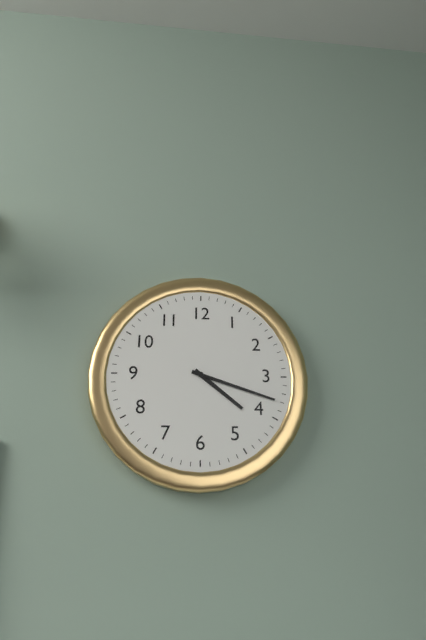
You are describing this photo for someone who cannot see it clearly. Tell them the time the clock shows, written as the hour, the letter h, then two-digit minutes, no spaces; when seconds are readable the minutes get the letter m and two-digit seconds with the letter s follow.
4h18
